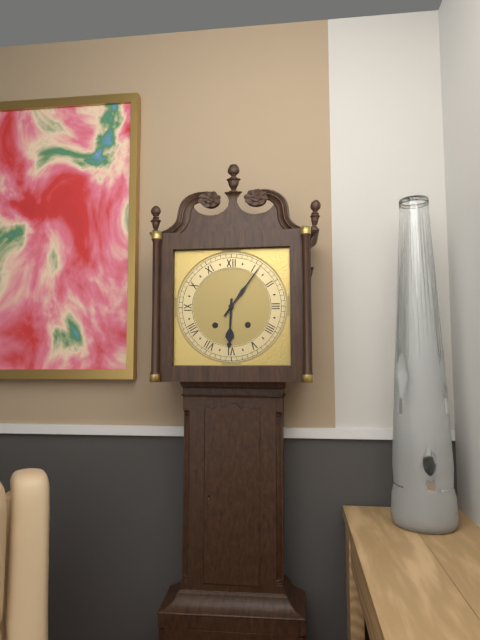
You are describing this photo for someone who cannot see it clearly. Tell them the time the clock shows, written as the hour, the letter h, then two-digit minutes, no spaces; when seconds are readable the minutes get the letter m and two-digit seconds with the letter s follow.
6h06
